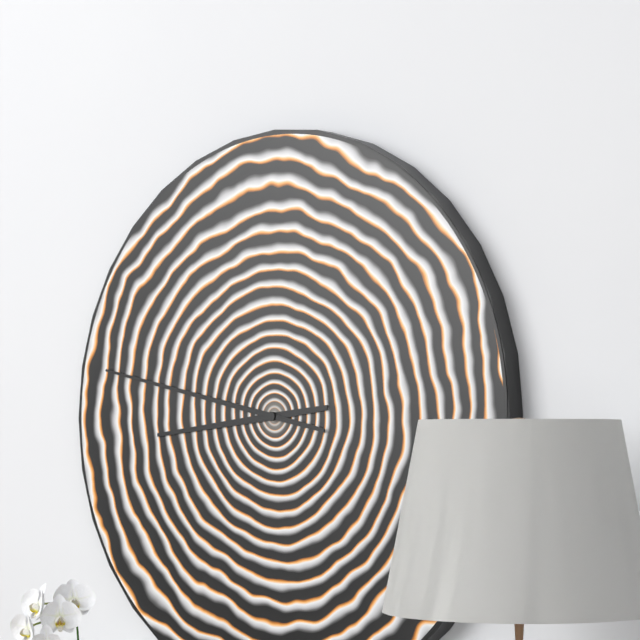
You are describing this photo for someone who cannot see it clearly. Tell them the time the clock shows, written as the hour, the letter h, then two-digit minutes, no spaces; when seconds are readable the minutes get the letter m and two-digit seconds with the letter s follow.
8h47
